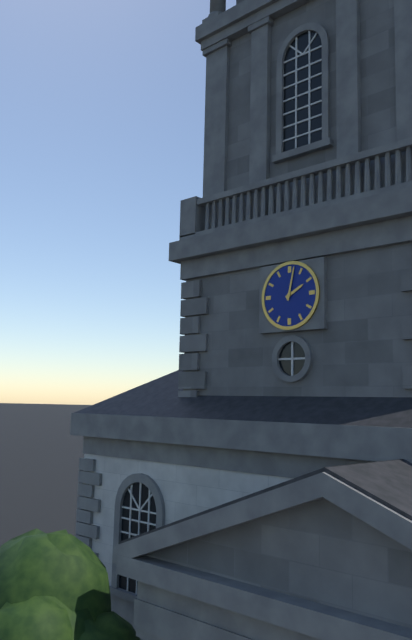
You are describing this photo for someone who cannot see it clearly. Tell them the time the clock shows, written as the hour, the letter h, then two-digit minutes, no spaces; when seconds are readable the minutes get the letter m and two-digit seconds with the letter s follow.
2h02
